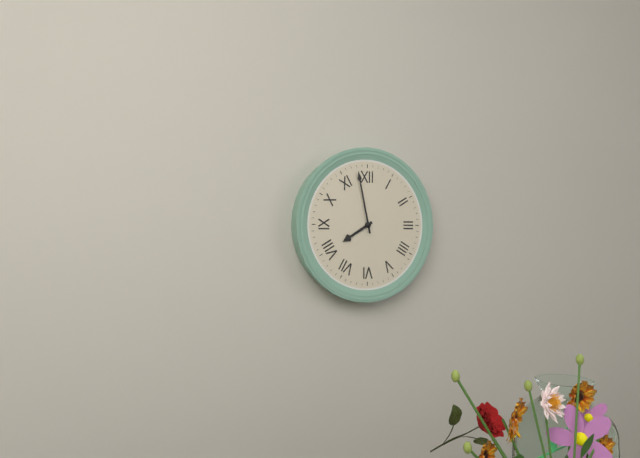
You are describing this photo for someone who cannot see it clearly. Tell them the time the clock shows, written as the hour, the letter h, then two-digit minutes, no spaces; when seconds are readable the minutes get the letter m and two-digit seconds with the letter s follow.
7h58
